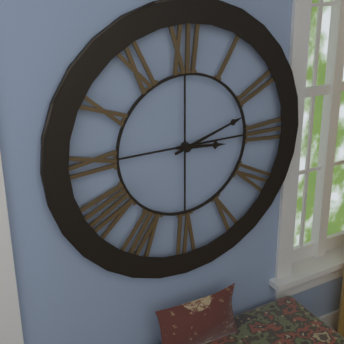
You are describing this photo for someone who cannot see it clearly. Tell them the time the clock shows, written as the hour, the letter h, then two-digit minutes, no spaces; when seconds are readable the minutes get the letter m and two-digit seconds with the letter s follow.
3h12
